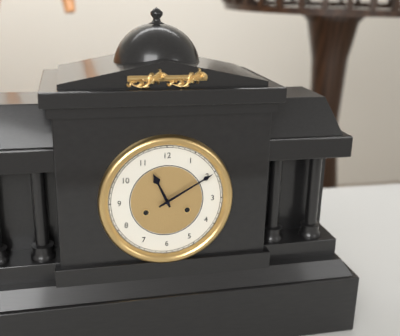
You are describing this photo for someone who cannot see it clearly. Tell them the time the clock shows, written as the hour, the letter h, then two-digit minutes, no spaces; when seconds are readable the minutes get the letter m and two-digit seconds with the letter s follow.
11h10
